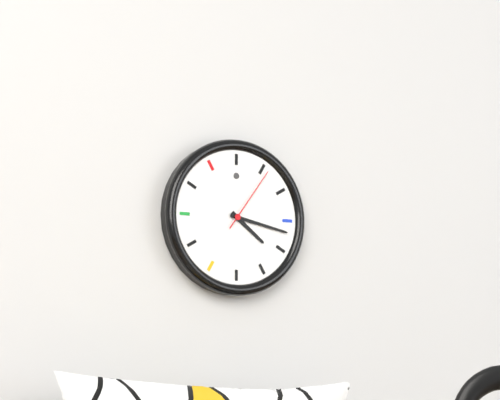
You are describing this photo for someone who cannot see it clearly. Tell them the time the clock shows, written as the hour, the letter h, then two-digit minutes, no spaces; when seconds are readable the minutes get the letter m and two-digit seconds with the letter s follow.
4h17m06s
